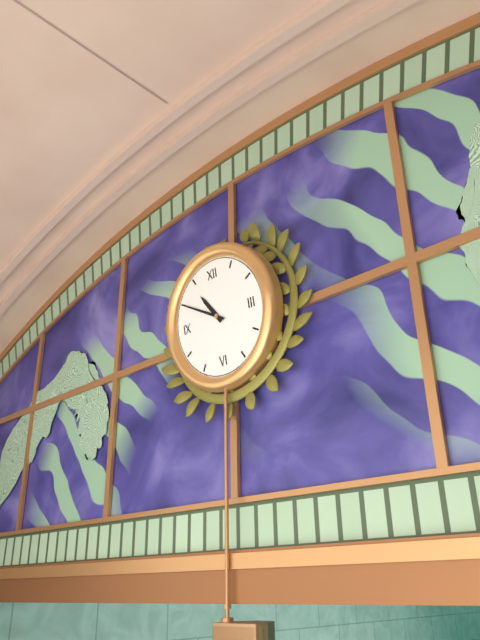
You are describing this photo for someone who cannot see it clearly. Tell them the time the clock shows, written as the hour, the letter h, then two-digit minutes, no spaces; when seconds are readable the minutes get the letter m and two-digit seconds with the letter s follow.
10h50
